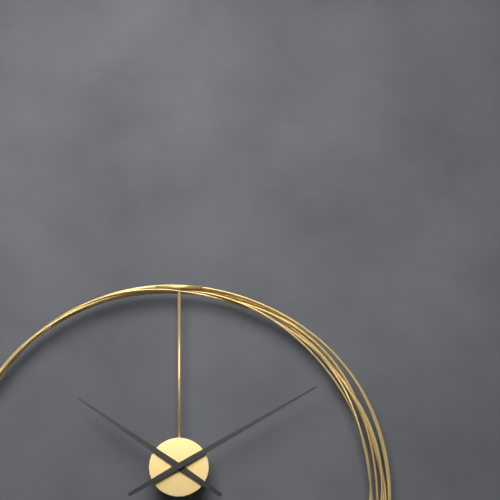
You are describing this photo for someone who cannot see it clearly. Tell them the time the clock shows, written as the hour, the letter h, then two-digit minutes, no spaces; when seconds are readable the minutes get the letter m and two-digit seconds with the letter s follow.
10h10
